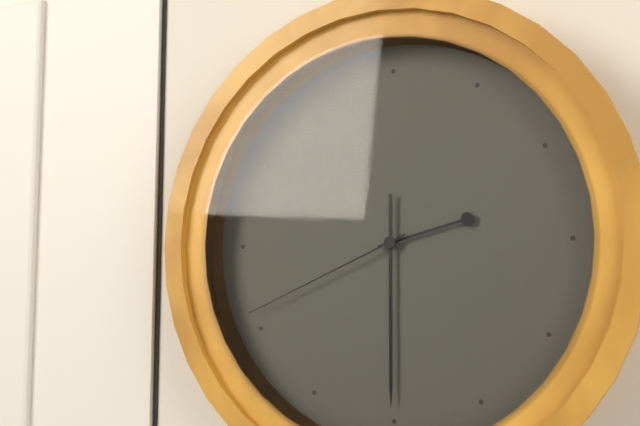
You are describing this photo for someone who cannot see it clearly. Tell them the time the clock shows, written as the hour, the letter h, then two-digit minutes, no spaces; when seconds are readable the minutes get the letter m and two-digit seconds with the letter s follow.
2h30m41s
